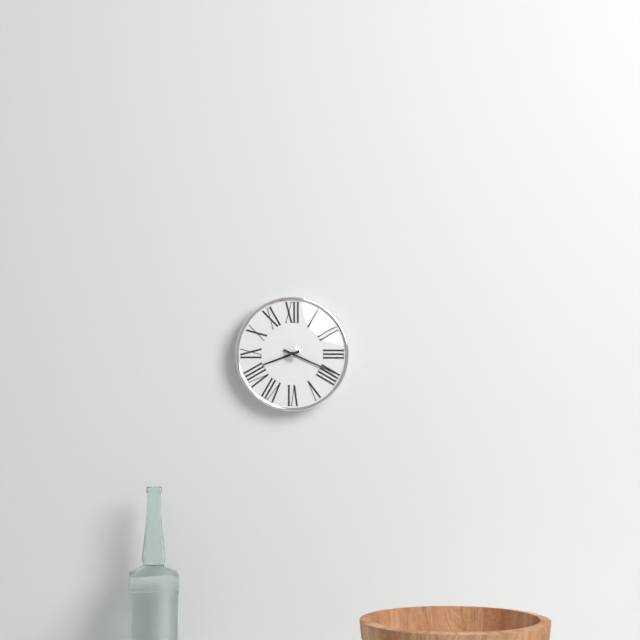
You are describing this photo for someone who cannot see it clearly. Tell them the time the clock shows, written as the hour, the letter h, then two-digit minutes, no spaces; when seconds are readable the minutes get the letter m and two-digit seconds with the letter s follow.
8h19
